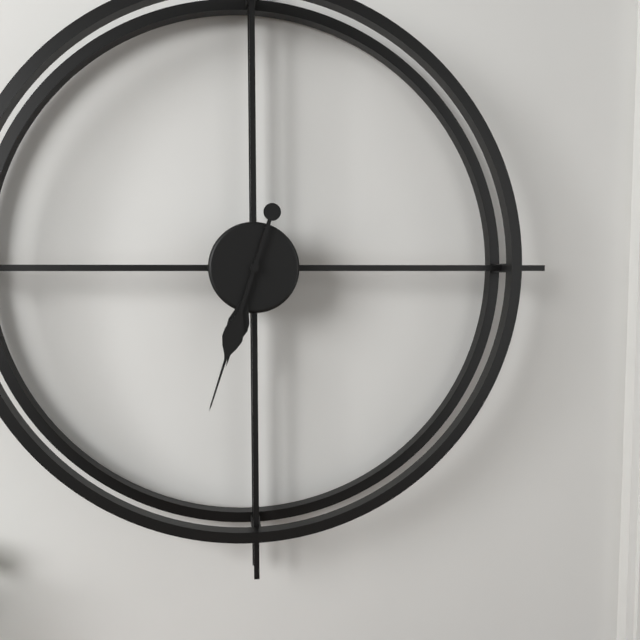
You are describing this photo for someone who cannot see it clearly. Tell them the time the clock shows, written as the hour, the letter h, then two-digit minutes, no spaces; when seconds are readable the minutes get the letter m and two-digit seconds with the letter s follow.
6h33
